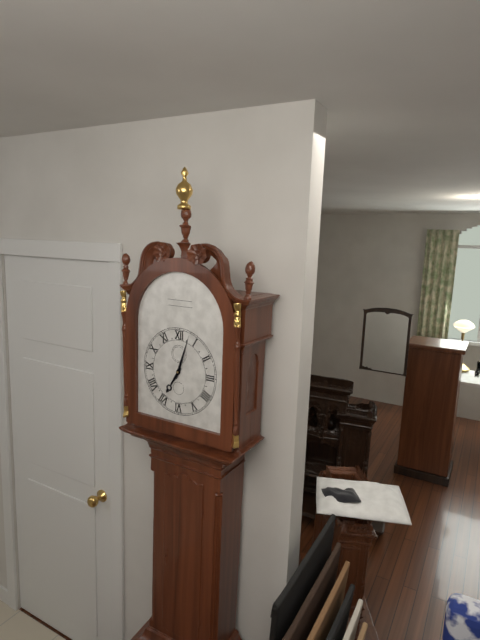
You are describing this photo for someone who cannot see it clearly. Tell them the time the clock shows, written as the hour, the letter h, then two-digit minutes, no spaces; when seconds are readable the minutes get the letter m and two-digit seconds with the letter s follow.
7h03
